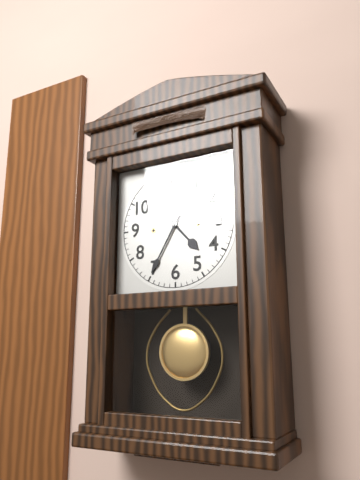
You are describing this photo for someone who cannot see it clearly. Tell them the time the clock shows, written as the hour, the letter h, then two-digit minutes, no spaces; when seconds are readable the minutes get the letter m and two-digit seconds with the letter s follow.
4h35
